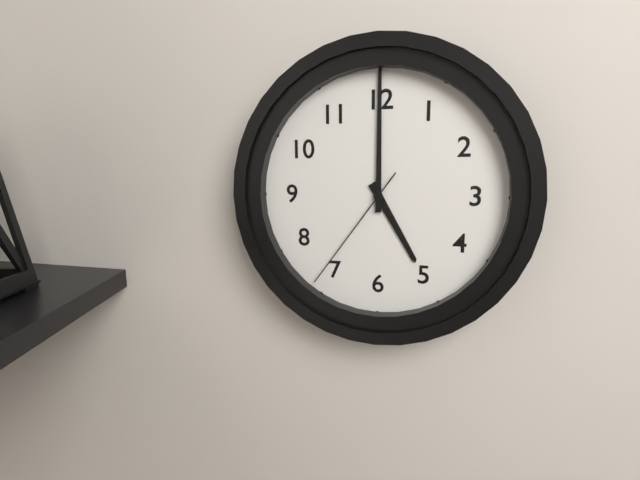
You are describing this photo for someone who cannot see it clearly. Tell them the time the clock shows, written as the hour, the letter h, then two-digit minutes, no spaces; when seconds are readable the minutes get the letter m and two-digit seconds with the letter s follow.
5h00m36s
